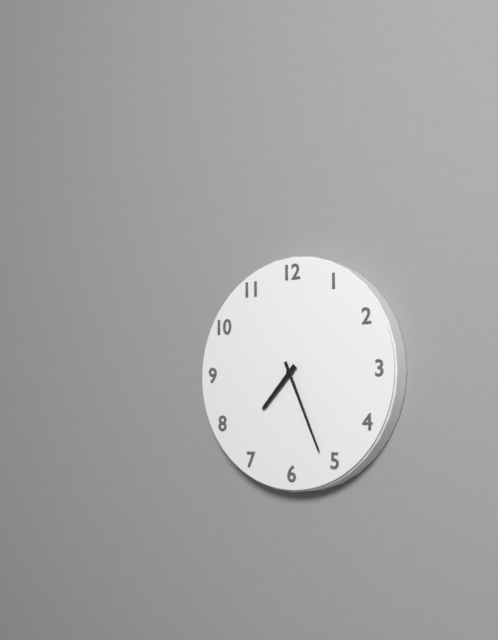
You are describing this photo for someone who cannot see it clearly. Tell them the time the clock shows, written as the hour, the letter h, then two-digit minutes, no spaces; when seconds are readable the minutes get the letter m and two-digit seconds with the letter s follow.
7h26
